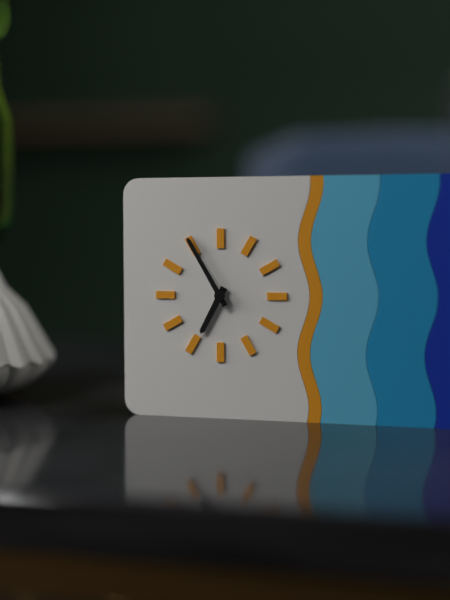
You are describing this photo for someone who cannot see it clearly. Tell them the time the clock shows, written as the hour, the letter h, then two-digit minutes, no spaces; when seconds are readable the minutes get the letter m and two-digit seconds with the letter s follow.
6h55
